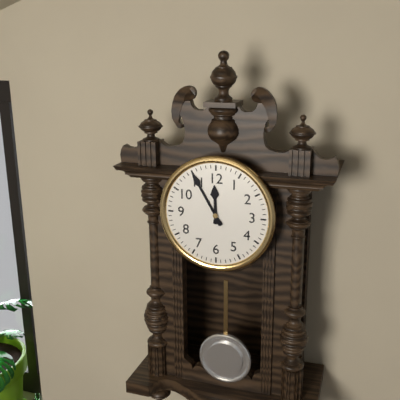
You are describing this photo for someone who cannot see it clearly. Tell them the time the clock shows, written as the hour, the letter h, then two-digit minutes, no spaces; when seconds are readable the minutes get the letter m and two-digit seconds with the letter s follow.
11h55
